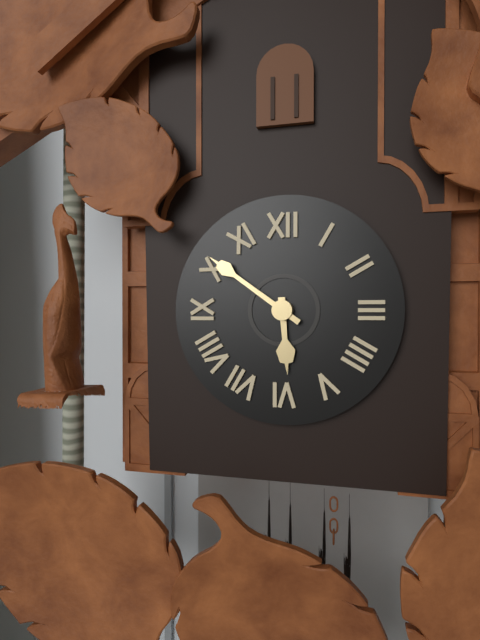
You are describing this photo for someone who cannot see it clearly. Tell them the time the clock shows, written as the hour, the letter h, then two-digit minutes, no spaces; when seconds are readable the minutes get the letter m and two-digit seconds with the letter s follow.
5h51
